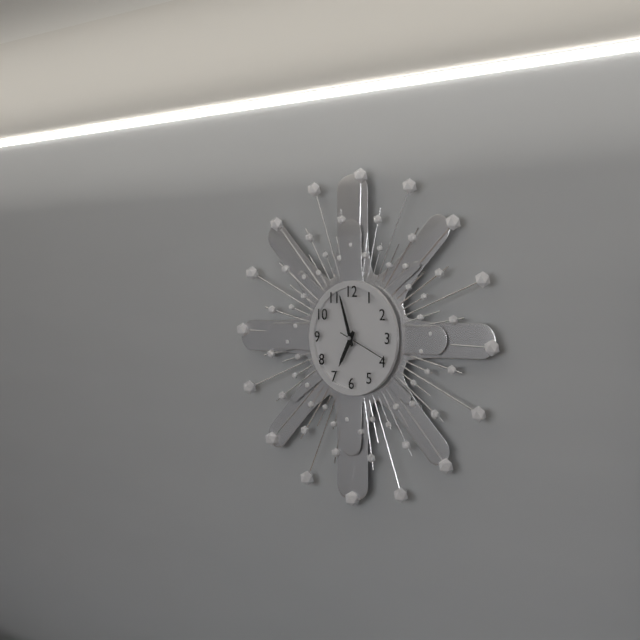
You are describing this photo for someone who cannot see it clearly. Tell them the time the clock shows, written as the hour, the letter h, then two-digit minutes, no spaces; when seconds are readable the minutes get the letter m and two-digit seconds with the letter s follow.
6h57m19s
